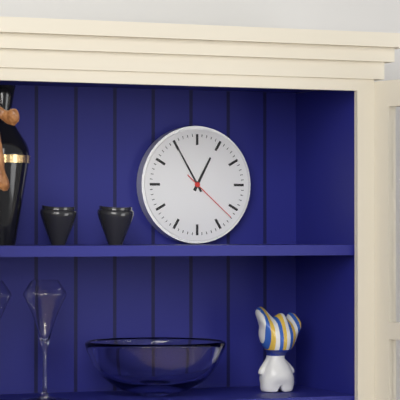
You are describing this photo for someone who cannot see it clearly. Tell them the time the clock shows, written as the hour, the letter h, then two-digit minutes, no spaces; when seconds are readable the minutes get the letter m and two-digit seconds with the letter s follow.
12h55m22s
